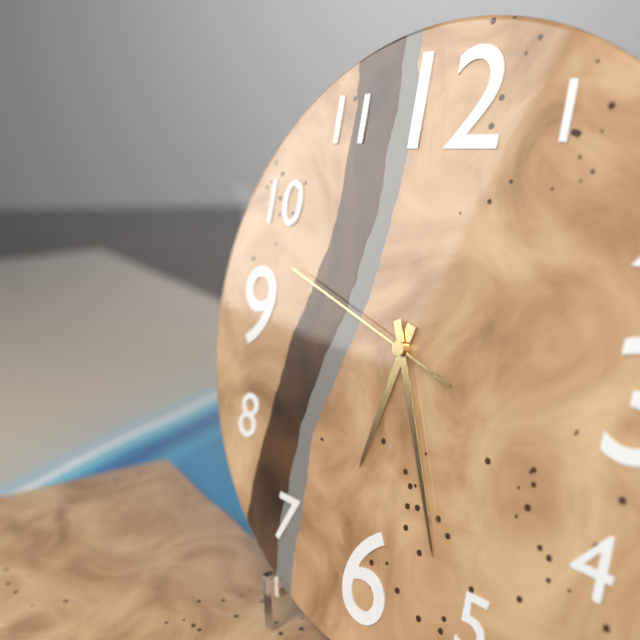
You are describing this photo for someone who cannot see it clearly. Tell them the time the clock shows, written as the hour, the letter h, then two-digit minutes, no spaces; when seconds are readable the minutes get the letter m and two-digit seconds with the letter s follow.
6h26m48s
